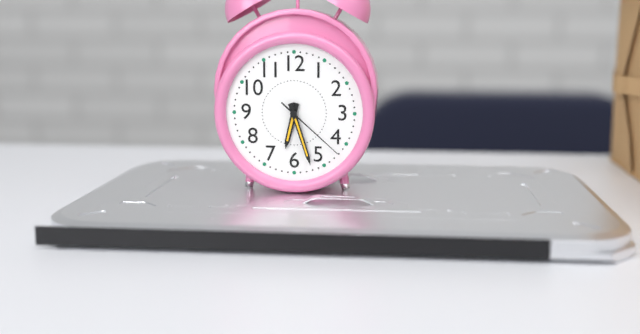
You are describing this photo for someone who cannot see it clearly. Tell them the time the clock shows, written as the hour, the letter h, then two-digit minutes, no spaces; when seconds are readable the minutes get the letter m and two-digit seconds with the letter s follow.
6h27m22s
